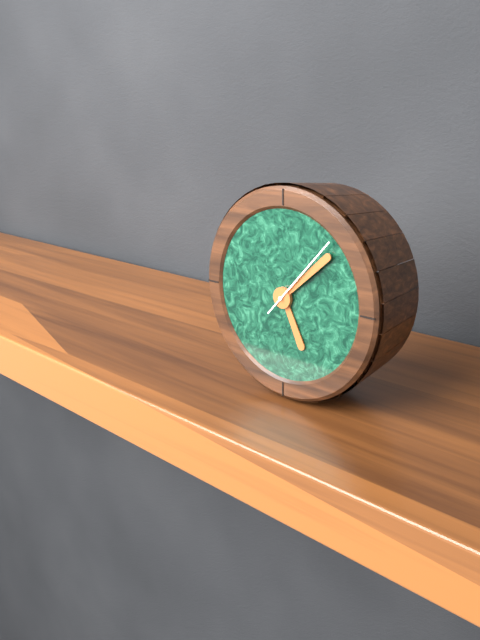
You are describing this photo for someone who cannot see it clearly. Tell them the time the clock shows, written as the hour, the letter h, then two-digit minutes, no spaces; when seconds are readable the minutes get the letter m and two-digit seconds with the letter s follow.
5h08m07s
